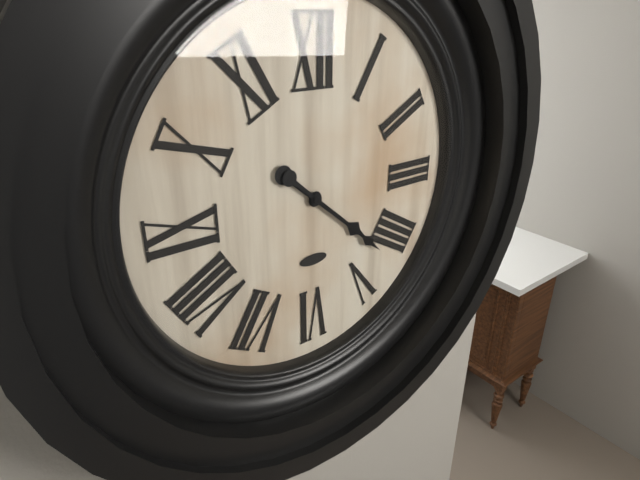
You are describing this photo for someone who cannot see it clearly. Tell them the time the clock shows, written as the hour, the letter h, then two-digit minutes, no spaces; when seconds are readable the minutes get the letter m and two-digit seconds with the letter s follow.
4h22
